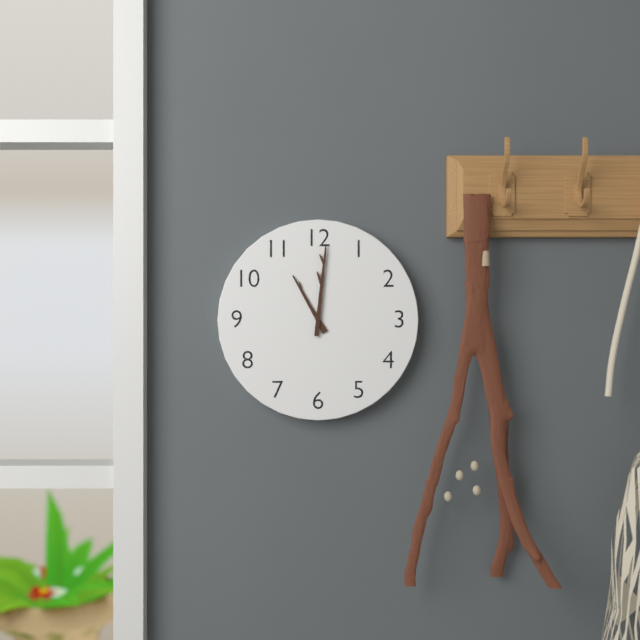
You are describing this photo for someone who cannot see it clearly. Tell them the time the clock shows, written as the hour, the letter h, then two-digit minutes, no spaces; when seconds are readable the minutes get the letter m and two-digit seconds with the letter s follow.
11h01
